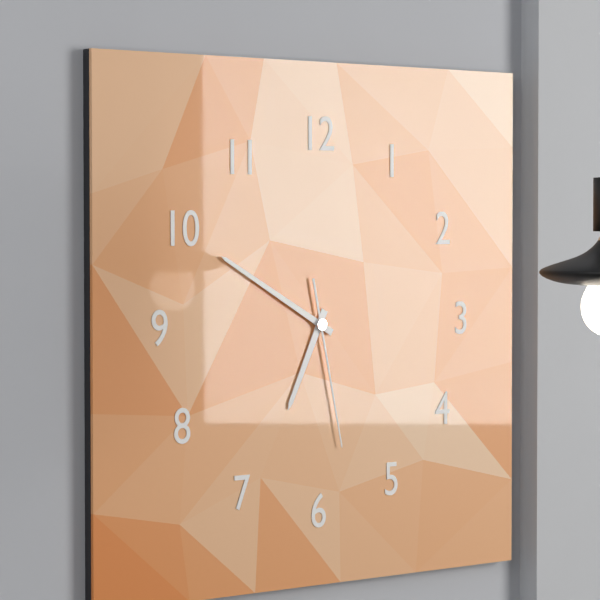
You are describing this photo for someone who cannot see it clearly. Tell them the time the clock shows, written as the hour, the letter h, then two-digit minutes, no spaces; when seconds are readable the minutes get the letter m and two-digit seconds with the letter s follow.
6h50m28s
